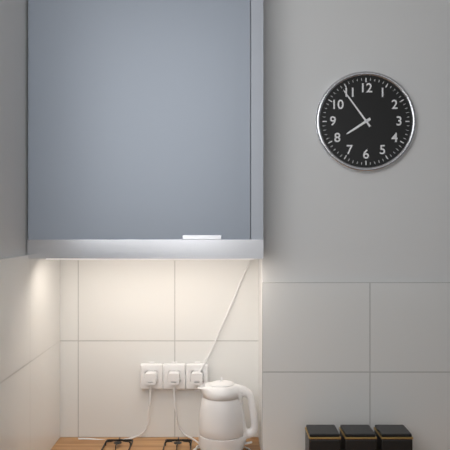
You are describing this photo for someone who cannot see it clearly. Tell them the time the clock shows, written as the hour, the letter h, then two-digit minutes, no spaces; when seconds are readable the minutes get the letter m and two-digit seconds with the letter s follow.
7h54
